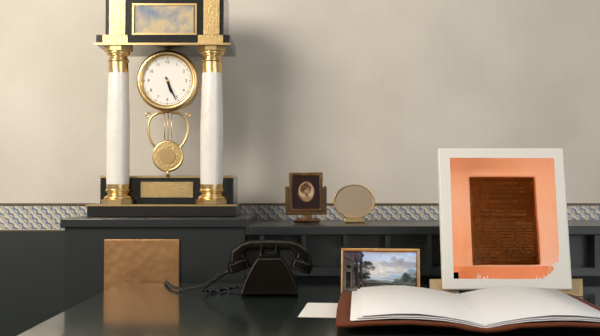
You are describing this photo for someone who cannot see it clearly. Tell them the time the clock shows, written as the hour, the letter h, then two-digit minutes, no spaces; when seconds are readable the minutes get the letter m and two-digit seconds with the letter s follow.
5h26
